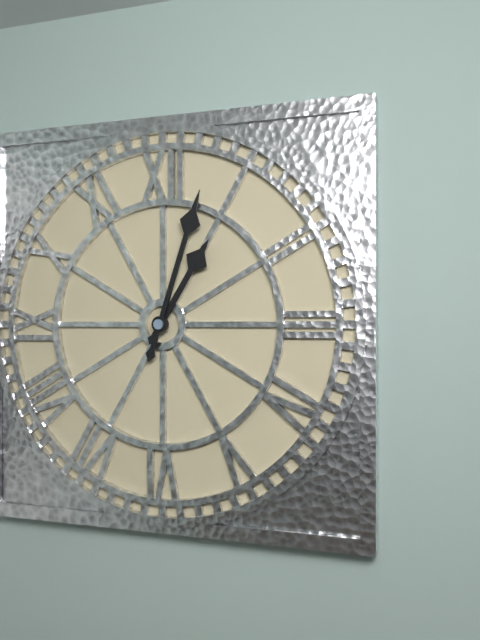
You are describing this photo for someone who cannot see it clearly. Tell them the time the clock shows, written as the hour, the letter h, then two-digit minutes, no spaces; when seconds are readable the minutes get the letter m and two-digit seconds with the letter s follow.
1h03
